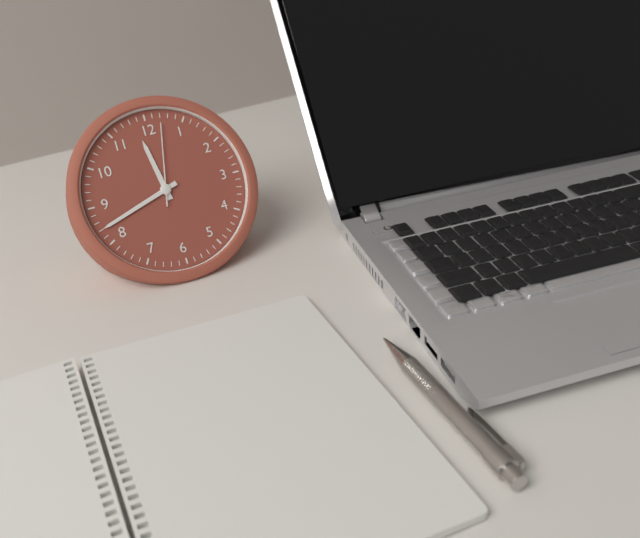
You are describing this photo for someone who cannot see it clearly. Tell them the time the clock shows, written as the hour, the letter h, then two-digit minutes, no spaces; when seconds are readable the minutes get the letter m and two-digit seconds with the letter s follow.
11h42m02s
